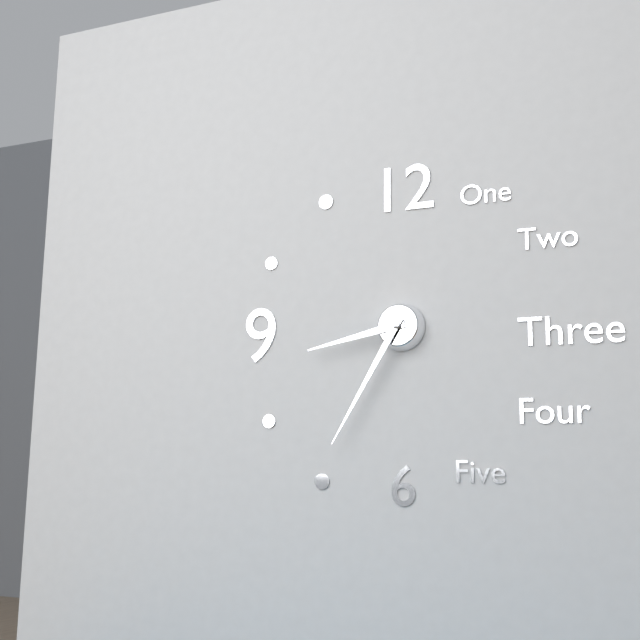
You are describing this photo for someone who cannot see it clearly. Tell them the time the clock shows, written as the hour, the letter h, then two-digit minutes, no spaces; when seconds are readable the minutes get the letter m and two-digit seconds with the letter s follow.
8h35
